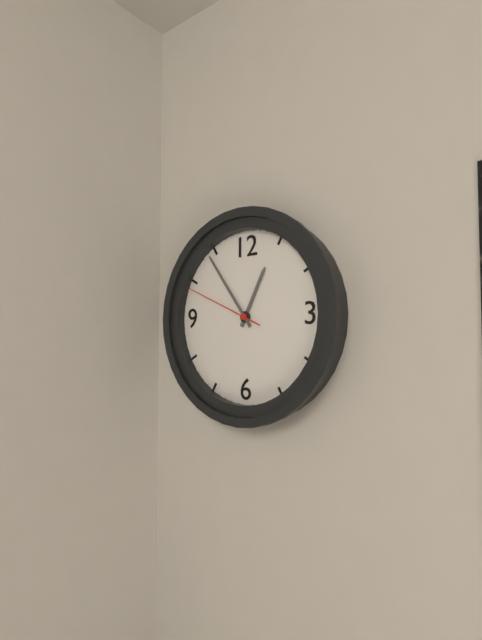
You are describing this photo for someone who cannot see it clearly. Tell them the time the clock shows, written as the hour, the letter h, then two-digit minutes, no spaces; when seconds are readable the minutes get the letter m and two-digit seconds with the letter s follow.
12h54m49s
